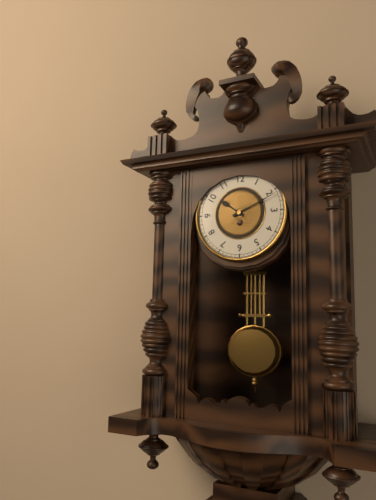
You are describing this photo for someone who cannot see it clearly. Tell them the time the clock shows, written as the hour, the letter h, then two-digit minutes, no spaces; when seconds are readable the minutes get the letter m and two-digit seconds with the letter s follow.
10h11
